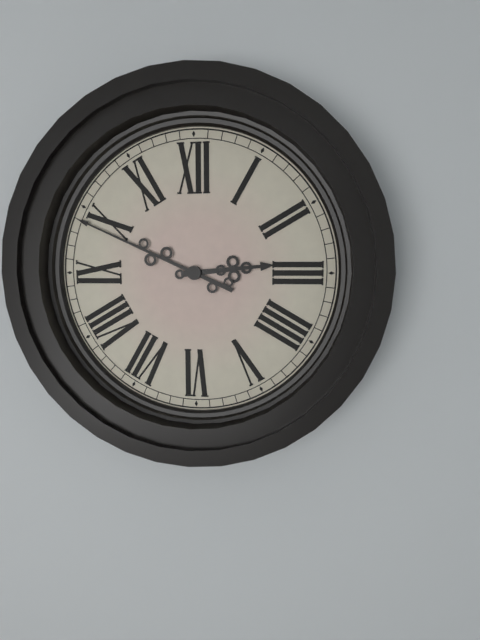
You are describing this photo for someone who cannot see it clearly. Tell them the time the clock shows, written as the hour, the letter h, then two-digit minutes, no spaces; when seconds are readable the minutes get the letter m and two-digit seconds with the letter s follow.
2h49
